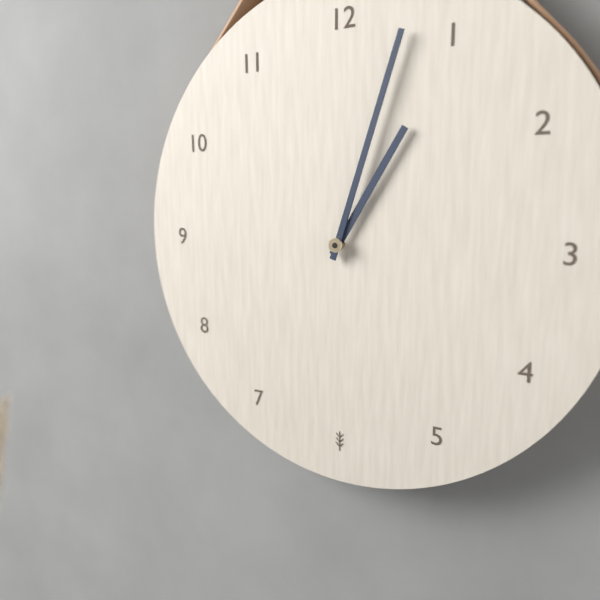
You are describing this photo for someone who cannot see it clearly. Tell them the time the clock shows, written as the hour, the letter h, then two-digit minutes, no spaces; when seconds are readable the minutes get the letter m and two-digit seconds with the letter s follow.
1h03
